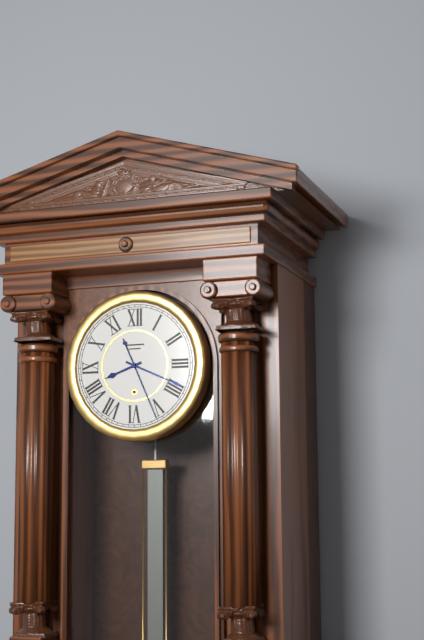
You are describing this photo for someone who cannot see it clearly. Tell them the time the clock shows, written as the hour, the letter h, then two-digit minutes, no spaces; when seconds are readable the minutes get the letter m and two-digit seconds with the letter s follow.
8h19m26s
